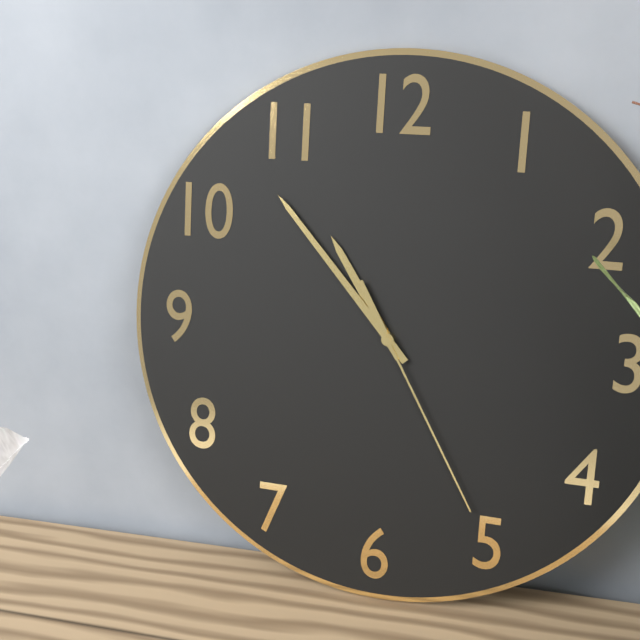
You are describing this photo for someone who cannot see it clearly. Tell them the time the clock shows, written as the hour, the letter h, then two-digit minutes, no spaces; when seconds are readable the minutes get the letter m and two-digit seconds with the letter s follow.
10h53m25s
